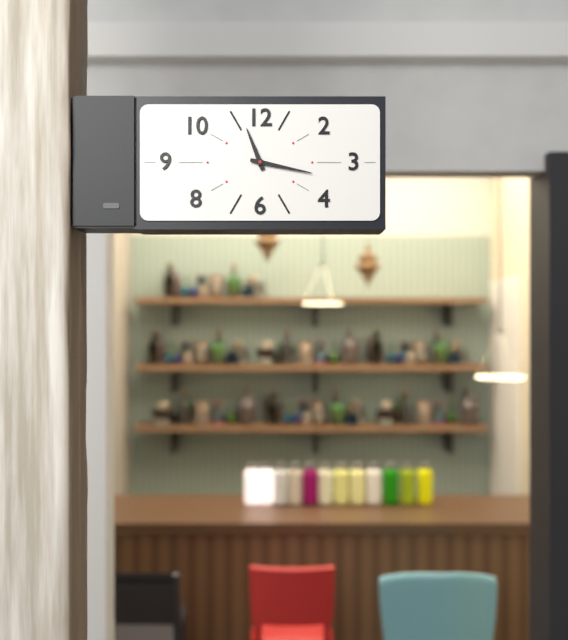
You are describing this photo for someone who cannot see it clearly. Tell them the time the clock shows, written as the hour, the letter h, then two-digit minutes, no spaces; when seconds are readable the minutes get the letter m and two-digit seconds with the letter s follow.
11h17
